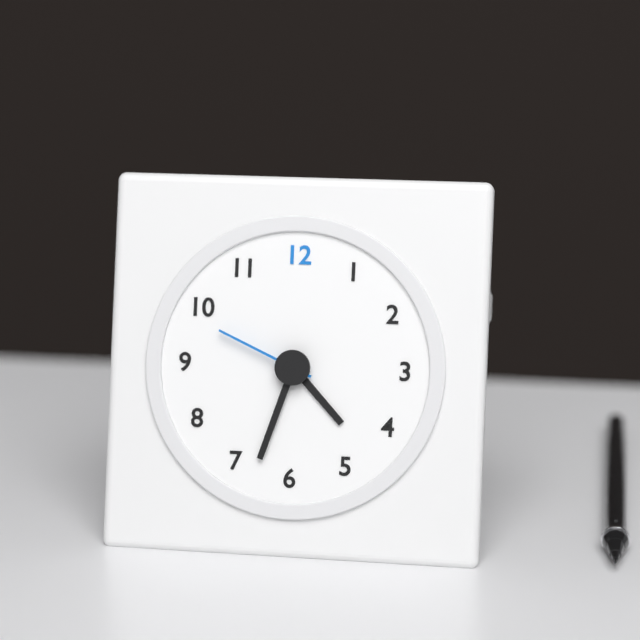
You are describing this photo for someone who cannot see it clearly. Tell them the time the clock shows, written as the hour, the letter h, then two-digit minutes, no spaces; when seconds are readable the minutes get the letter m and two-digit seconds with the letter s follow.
4h33m49s
